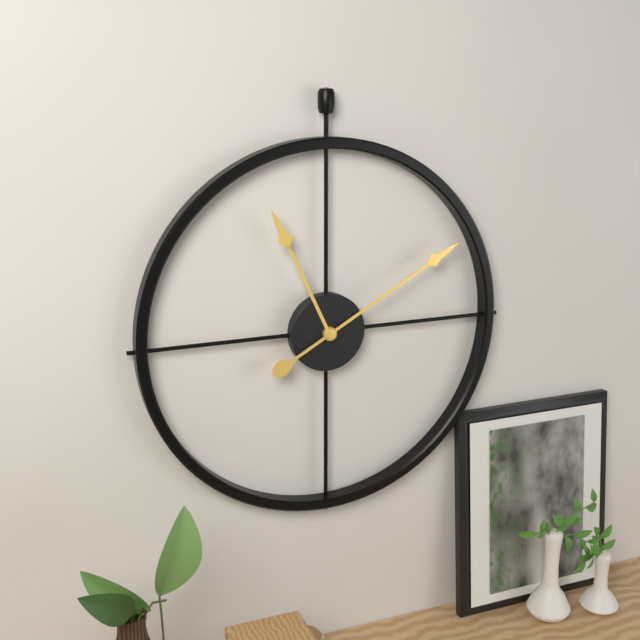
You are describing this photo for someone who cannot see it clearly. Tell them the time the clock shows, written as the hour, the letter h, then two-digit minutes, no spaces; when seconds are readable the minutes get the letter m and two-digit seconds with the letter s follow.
11h10
